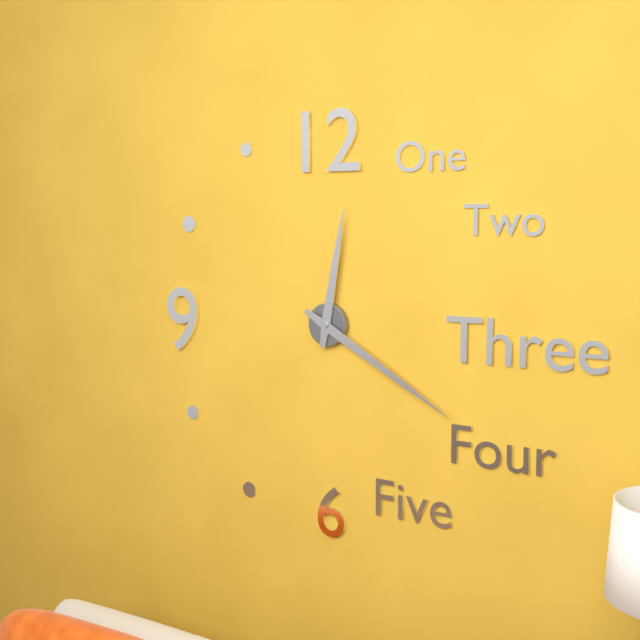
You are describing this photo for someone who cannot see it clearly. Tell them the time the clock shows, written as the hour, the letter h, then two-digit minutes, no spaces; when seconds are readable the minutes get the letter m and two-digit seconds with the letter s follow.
12h20
